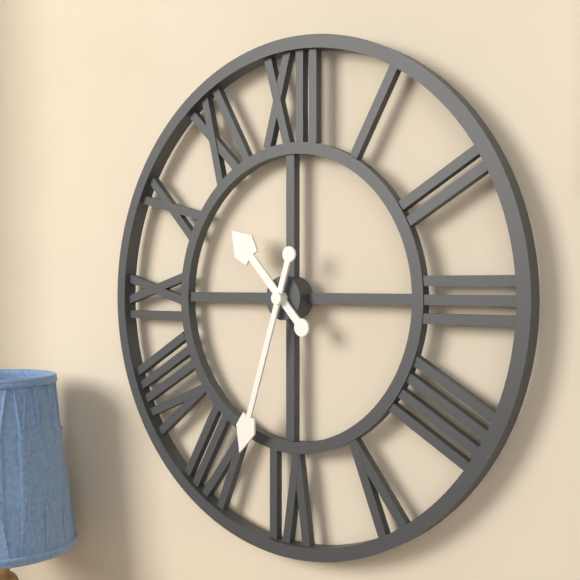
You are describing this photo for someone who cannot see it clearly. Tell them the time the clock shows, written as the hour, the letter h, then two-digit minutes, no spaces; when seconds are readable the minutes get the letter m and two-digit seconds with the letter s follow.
10h33
